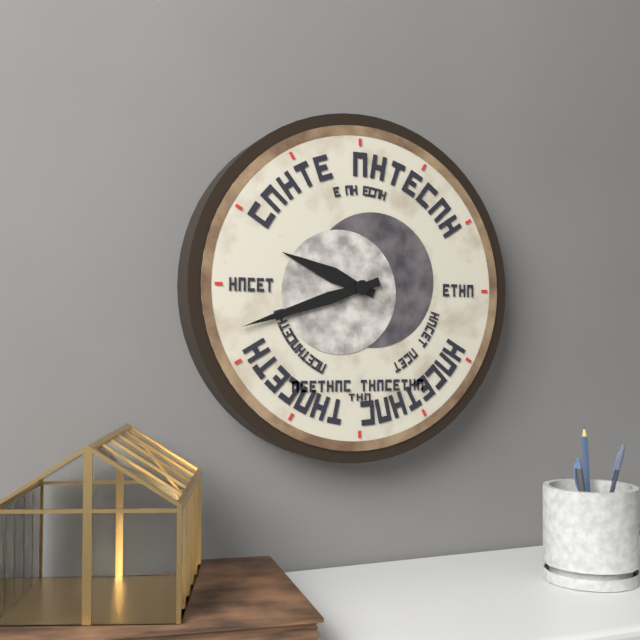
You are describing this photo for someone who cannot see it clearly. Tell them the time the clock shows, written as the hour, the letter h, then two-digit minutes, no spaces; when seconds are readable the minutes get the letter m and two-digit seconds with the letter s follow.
9h42
